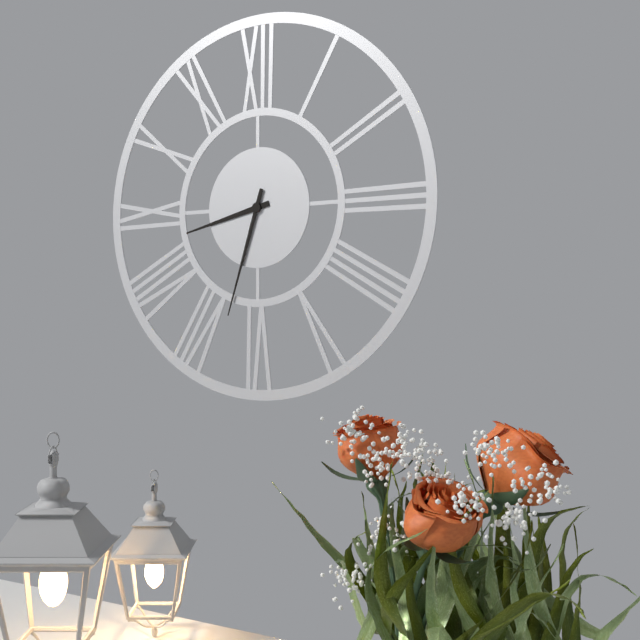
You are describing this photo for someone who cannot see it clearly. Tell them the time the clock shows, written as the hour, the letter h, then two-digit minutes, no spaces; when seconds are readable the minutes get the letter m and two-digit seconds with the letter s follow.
8h33
